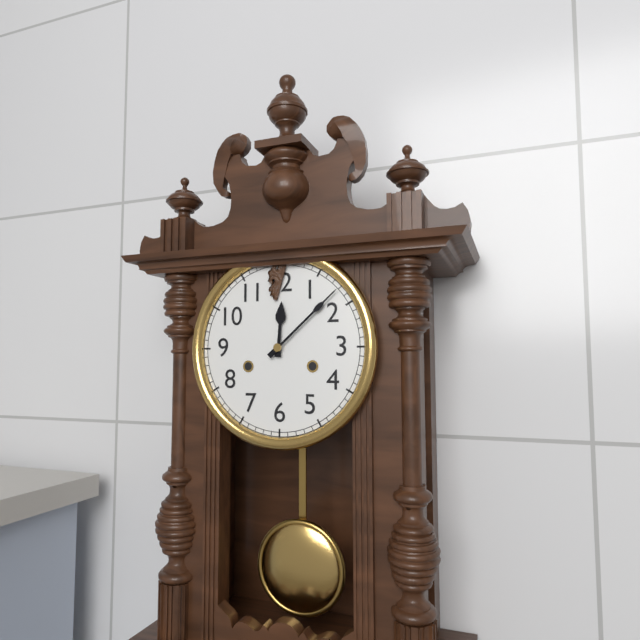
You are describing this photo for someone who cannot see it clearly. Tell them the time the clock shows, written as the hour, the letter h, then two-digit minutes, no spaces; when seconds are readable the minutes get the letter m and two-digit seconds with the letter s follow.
12h08
